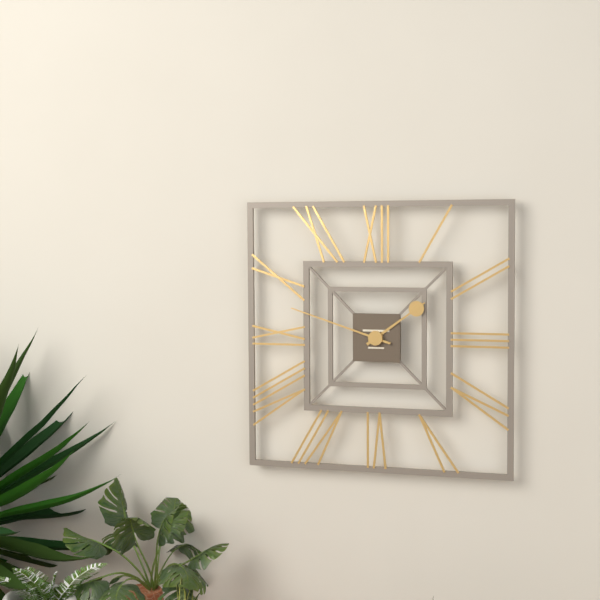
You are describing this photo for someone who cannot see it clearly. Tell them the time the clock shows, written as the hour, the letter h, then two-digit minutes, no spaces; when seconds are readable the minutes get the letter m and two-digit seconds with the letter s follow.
1h48
